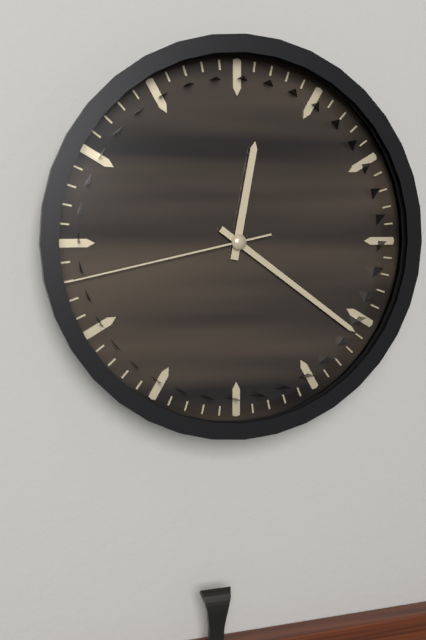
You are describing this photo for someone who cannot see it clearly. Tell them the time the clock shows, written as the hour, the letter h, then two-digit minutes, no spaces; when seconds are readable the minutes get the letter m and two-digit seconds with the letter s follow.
12h21m43s
